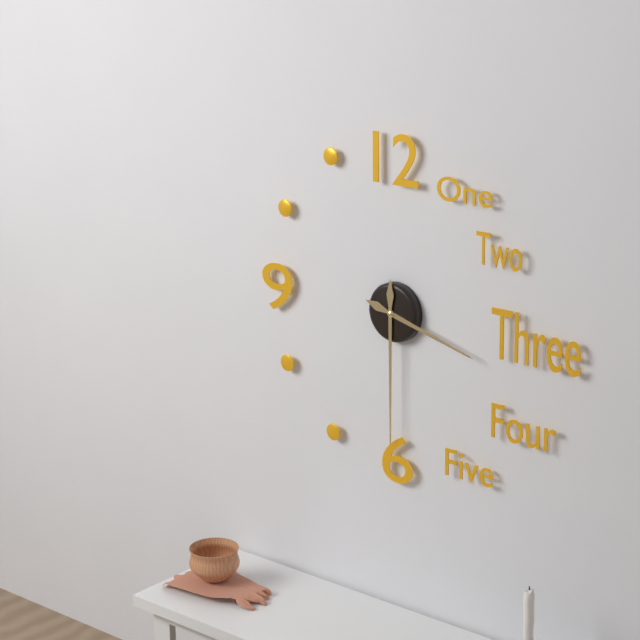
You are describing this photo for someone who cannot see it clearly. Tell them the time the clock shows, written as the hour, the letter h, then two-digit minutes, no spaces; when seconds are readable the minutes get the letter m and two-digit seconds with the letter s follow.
3h30
